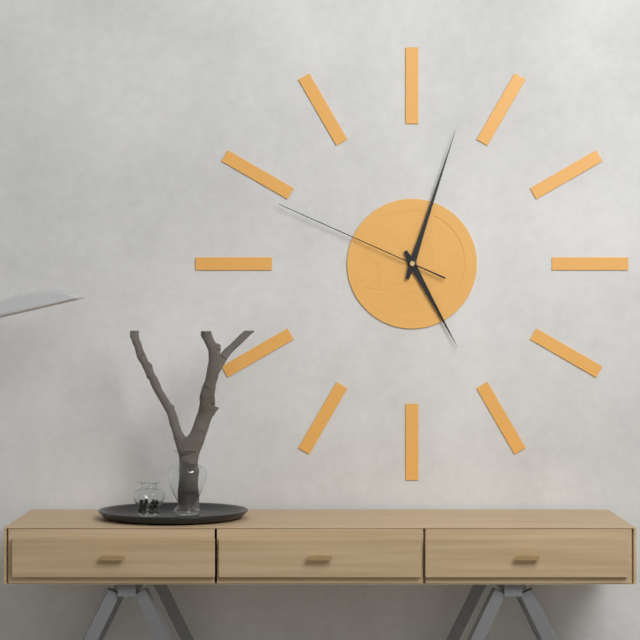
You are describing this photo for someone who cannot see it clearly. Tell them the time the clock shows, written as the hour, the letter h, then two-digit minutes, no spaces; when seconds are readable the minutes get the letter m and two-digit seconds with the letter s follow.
5h03m49s
